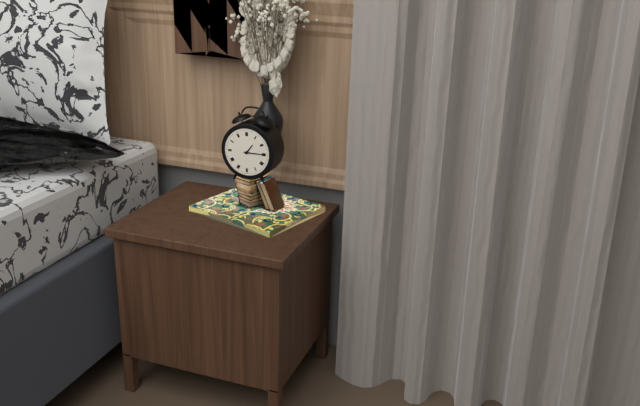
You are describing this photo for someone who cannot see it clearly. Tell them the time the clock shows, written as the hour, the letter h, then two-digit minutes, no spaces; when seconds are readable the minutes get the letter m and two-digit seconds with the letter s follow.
1h15
